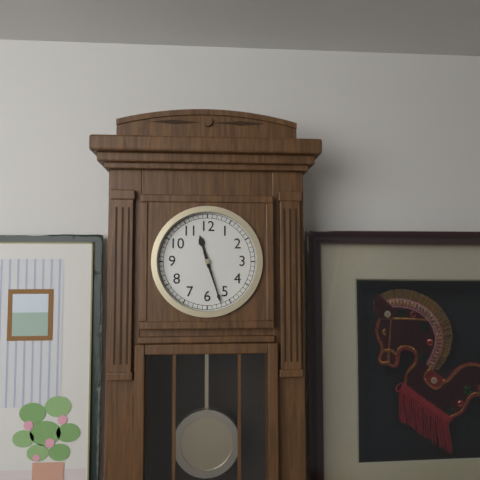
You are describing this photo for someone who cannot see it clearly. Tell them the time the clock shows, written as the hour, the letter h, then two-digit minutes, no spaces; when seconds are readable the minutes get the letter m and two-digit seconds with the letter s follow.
11h27
